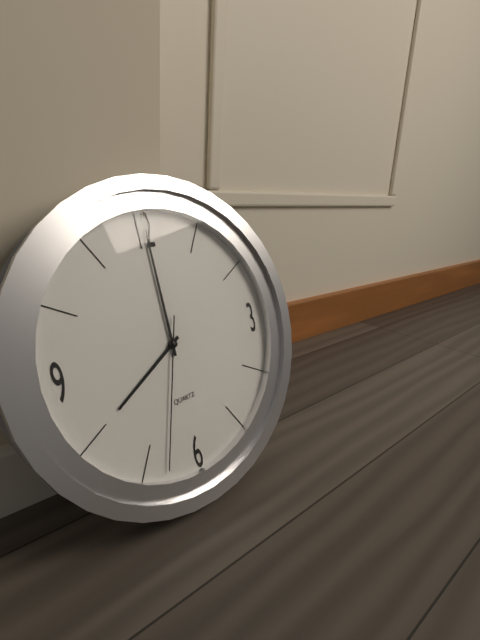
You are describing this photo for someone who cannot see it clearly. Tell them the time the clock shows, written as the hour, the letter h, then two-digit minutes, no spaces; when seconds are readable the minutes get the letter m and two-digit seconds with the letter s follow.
8h00m33s
